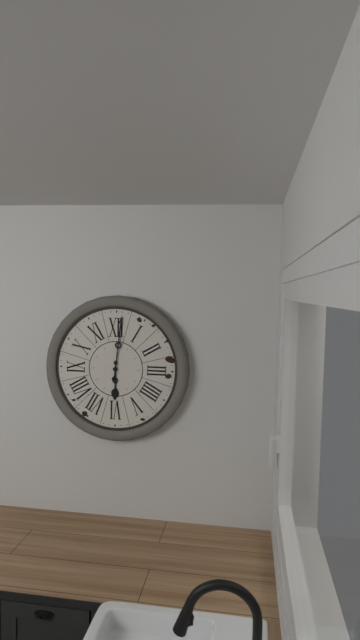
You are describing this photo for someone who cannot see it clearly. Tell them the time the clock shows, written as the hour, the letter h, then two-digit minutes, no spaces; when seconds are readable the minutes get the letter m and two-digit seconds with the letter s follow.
6h01
